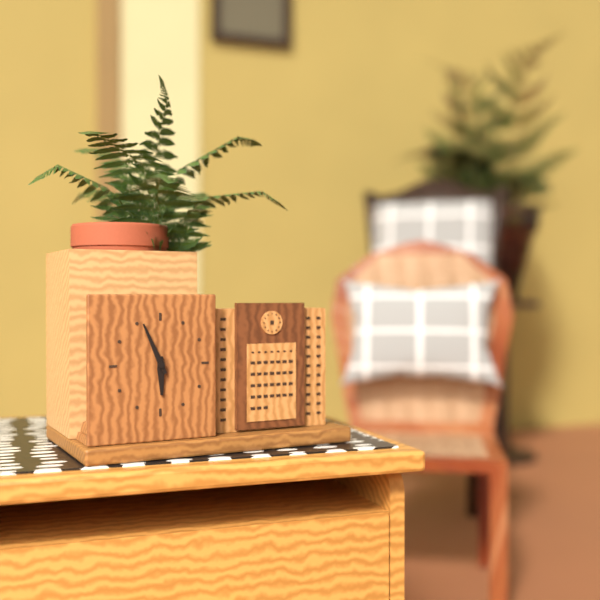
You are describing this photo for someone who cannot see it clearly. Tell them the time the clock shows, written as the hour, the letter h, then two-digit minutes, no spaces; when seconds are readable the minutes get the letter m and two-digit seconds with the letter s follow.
5h56
